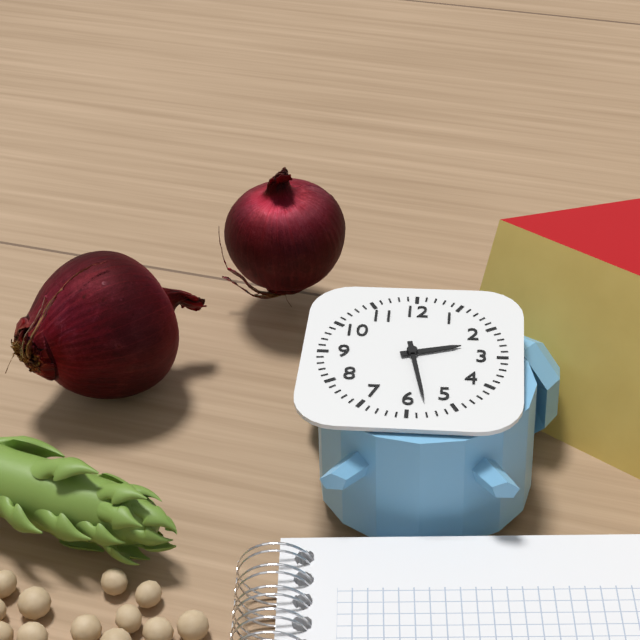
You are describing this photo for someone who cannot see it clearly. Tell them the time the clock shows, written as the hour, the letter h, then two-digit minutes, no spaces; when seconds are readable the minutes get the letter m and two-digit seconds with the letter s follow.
2h28
